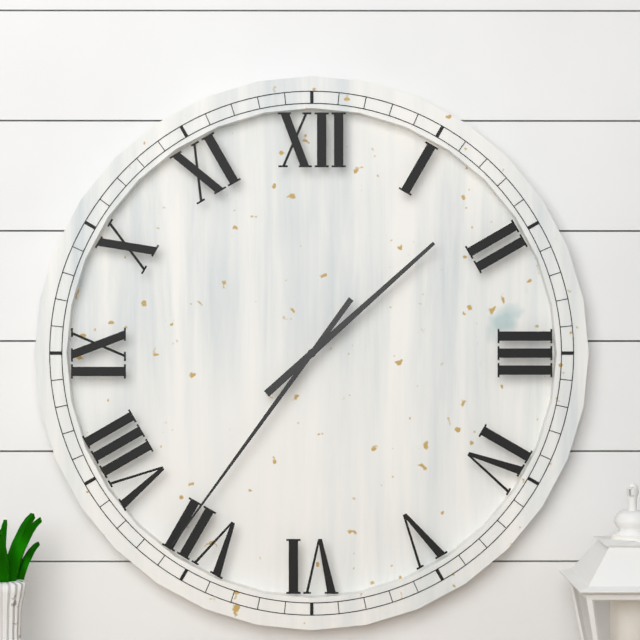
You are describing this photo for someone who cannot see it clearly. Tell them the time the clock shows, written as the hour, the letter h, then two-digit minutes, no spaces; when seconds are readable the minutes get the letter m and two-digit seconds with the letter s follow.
1h36
